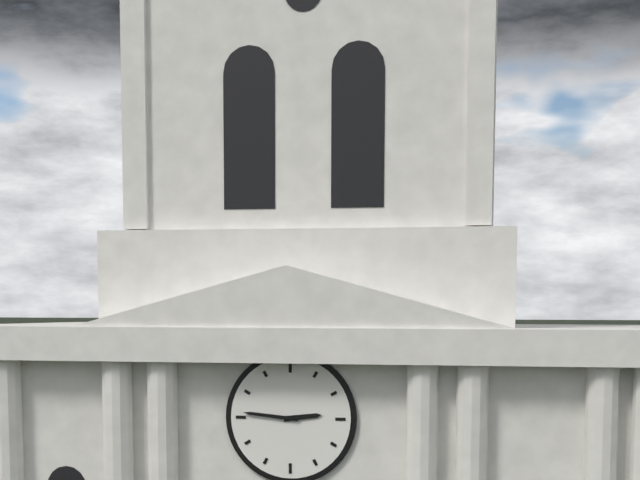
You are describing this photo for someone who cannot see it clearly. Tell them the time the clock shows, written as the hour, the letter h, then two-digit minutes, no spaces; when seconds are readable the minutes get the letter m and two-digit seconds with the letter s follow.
2h46
